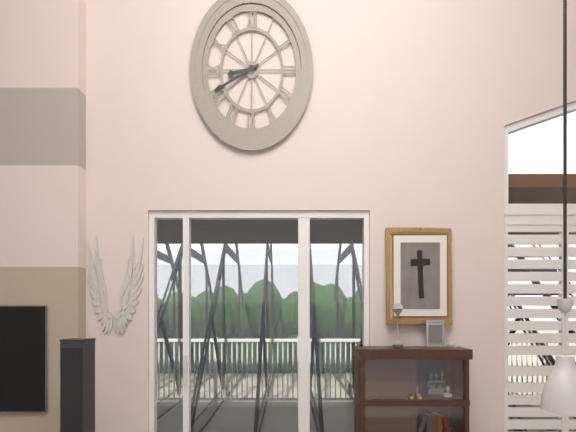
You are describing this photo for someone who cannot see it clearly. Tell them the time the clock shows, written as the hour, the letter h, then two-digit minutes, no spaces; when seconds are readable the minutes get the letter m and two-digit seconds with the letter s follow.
8h41
